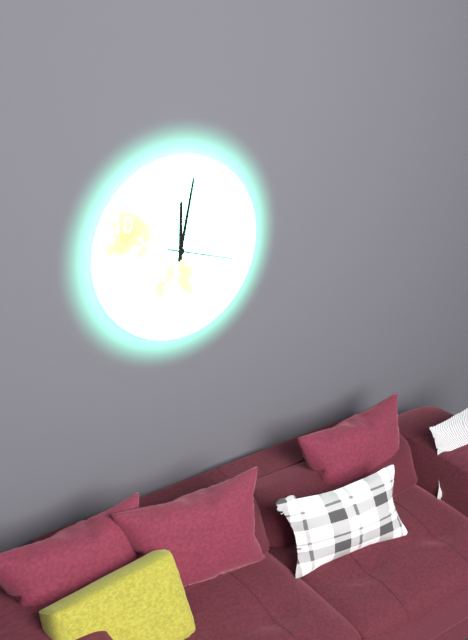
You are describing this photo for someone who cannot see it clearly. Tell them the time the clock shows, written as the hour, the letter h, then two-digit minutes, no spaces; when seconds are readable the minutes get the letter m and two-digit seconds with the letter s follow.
12h02m18s
